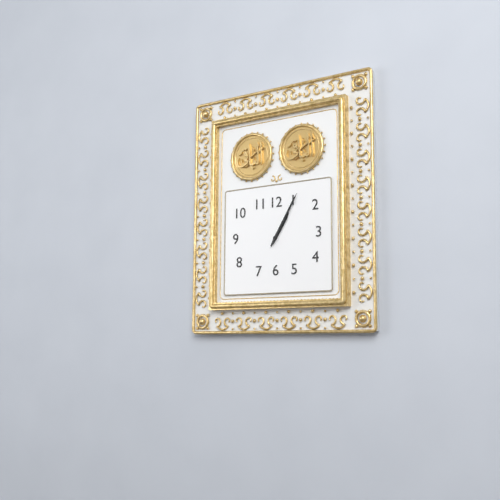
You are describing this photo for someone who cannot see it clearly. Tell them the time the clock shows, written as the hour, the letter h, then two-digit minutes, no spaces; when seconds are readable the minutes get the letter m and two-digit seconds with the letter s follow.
1h05
